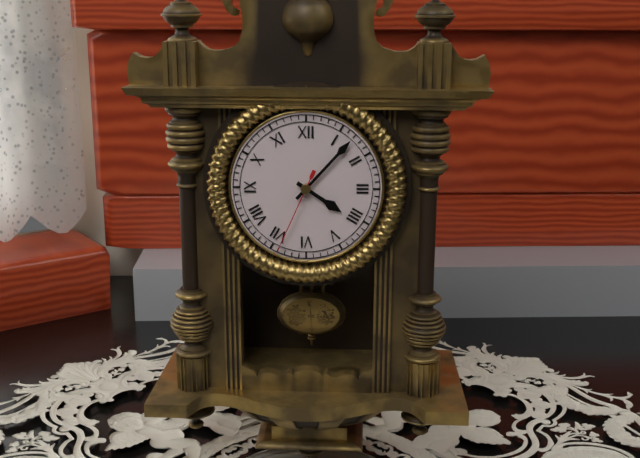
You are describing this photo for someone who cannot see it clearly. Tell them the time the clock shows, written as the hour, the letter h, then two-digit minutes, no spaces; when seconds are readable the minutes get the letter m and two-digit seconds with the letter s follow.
4h07m34s
